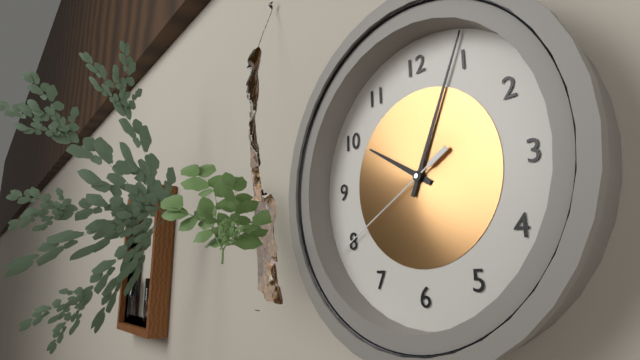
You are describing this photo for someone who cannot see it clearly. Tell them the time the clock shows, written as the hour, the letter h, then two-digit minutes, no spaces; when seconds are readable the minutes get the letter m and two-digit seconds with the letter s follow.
10h04m40s
